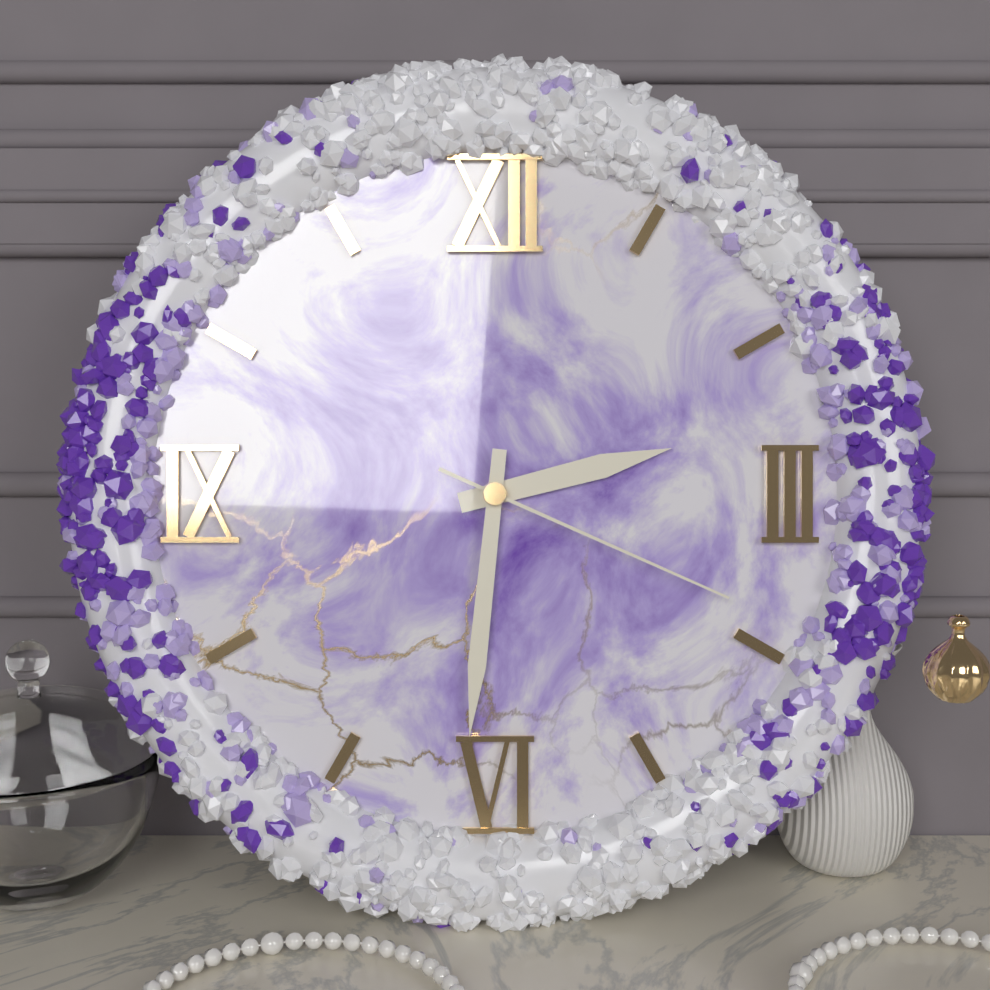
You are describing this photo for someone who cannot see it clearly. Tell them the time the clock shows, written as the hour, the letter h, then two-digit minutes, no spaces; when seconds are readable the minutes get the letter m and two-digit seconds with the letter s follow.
2h31m19s
